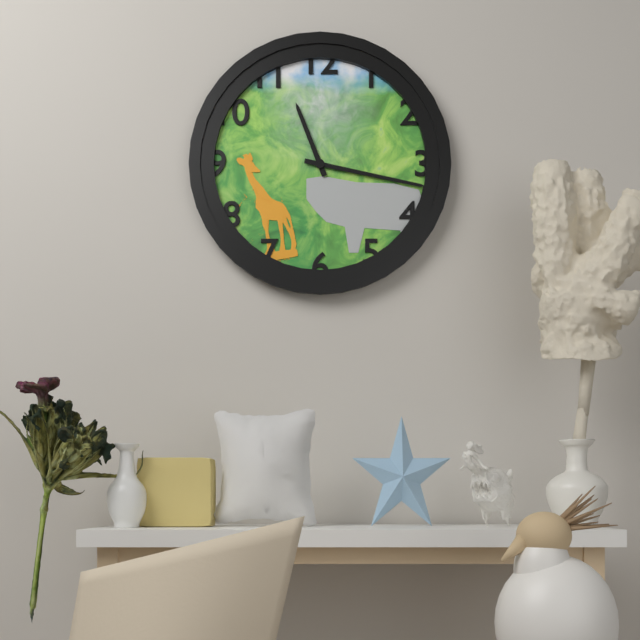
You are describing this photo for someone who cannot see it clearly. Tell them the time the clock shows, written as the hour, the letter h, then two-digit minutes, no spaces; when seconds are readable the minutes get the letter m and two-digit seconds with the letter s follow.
11h17
